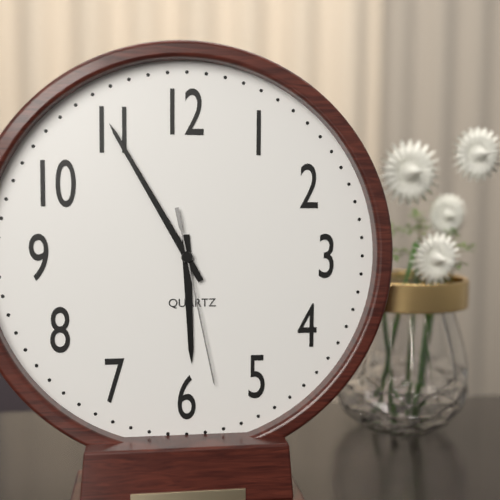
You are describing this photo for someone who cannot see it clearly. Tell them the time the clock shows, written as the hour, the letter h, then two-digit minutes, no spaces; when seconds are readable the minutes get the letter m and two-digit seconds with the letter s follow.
5h55m28s
